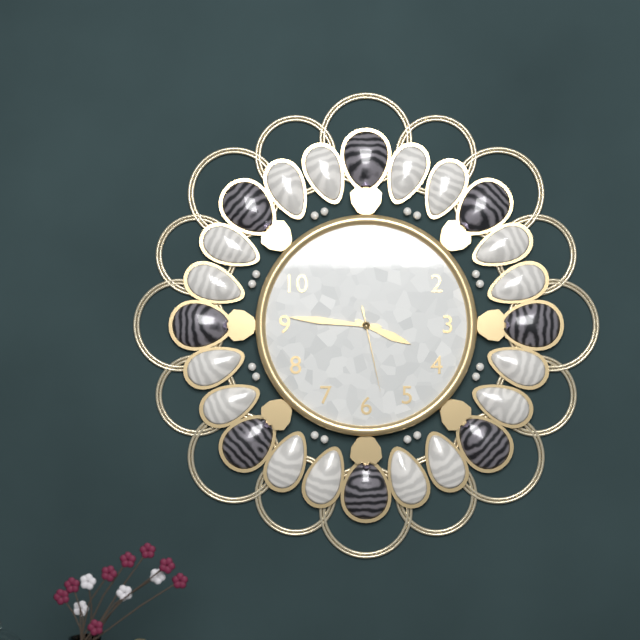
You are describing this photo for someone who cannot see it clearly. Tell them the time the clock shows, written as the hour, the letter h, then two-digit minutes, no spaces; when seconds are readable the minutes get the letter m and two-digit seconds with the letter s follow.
3h46m28s
